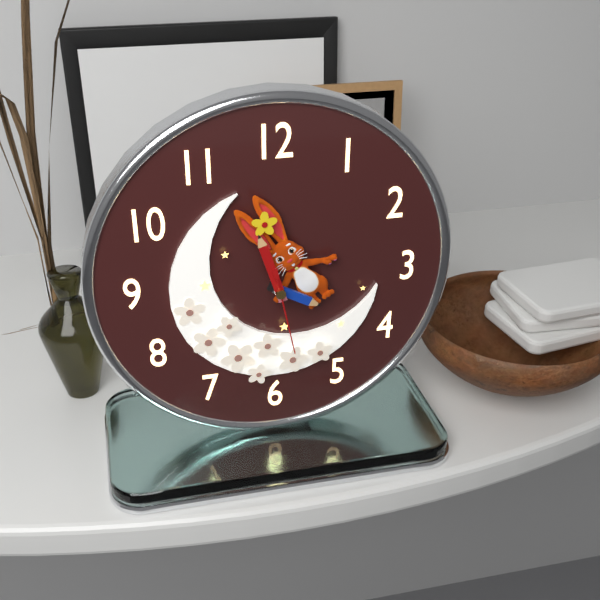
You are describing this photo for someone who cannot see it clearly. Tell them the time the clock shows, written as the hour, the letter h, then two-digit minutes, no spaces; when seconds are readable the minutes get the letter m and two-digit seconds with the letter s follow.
3h57m28s
